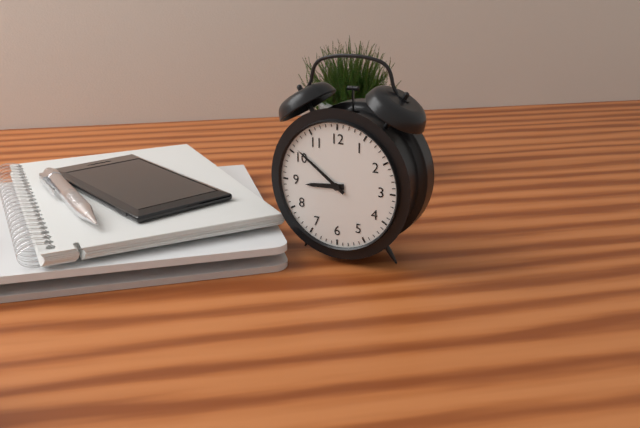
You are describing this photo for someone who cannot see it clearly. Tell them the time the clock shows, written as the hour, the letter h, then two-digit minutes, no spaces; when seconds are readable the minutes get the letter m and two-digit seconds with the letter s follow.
8h51
